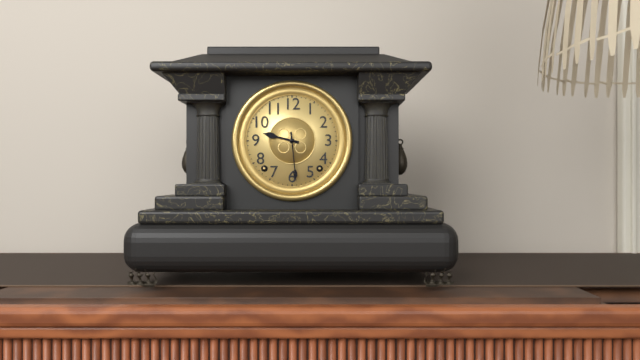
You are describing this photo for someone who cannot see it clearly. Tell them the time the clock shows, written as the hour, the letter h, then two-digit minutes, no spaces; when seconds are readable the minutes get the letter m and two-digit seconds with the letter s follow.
9h29
